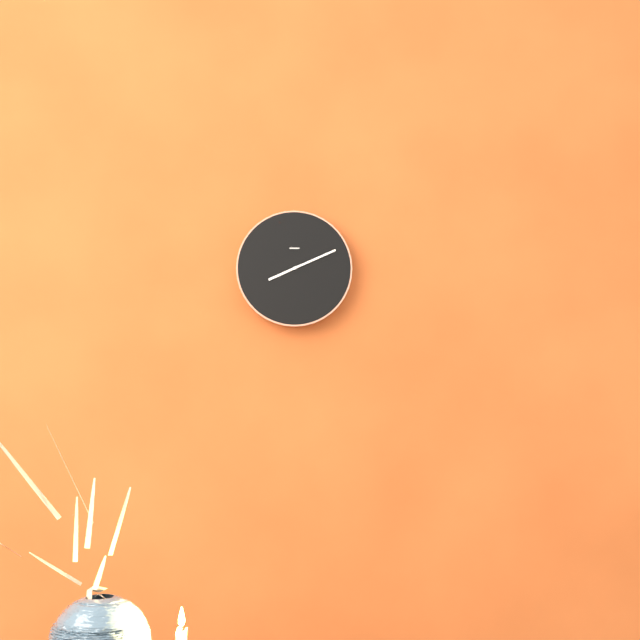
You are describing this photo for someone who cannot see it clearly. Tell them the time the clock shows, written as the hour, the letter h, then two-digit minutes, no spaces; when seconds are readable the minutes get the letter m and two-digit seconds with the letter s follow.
8h11
